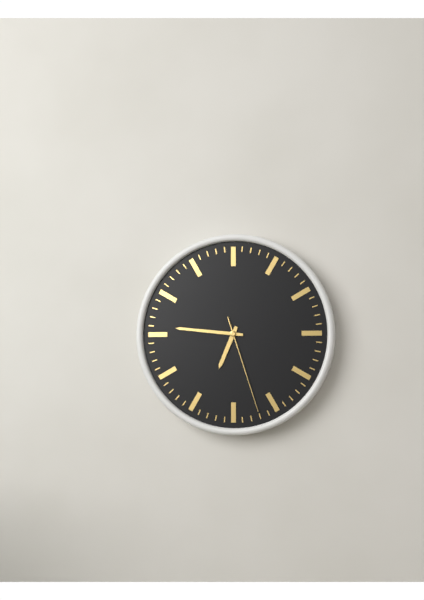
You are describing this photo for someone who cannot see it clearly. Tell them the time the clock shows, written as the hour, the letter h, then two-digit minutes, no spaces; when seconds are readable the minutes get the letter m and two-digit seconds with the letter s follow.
6h46m27s
